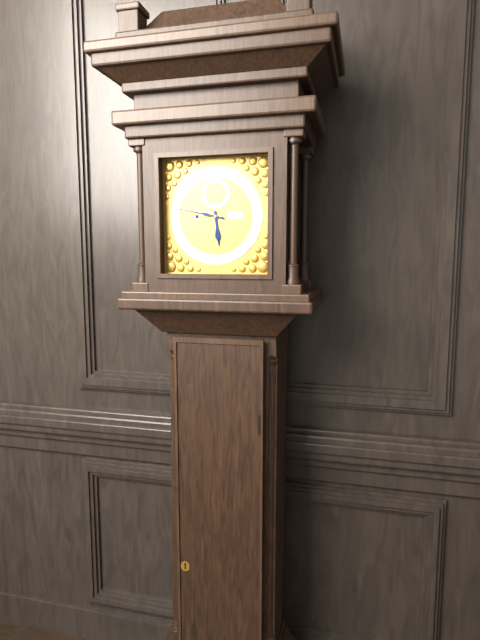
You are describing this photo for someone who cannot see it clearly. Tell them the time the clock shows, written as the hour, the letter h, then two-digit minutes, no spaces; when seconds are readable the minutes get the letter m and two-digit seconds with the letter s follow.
5h47
